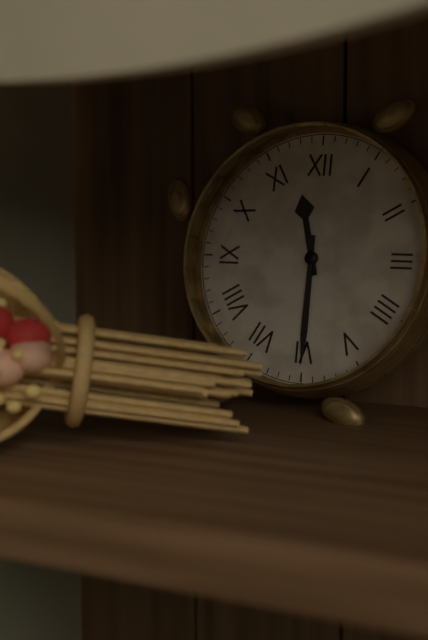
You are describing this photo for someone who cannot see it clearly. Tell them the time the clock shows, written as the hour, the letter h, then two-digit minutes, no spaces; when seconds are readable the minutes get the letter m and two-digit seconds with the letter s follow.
11h30
